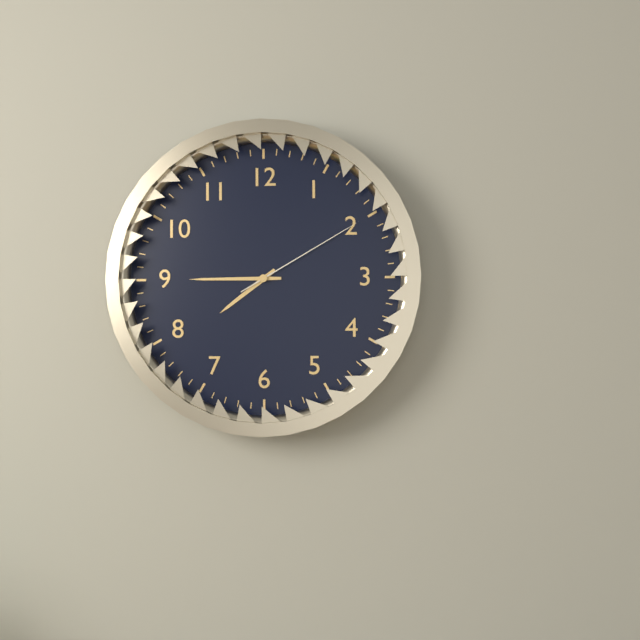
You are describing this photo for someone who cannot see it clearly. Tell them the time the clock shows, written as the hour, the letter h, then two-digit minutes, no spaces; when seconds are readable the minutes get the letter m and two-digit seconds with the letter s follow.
7h45m10s
